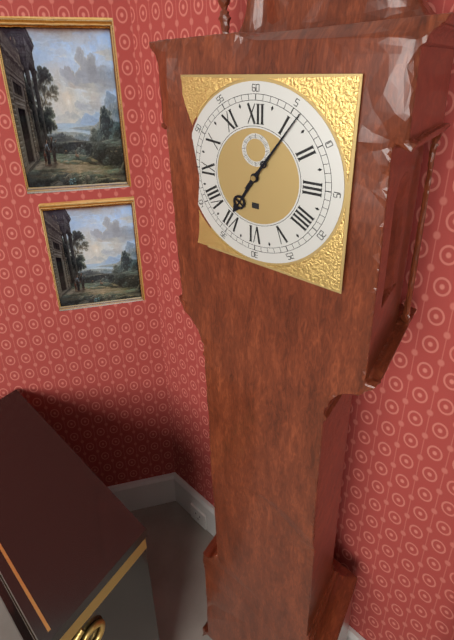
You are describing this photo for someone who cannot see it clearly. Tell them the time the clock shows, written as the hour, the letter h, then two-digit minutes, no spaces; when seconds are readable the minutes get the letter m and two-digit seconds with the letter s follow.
7h06
